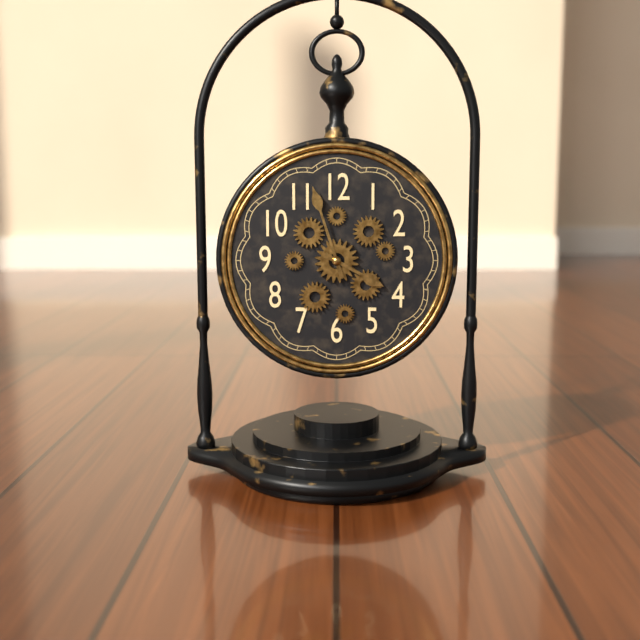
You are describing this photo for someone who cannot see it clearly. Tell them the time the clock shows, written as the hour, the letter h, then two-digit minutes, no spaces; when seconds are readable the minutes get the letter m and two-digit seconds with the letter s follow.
3h57
